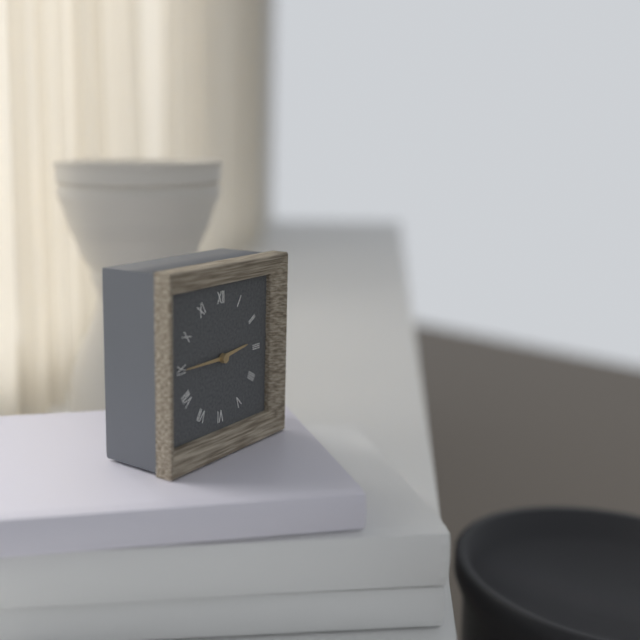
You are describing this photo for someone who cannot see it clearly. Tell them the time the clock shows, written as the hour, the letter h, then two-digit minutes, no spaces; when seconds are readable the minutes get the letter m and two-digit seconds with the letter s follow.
2h45
